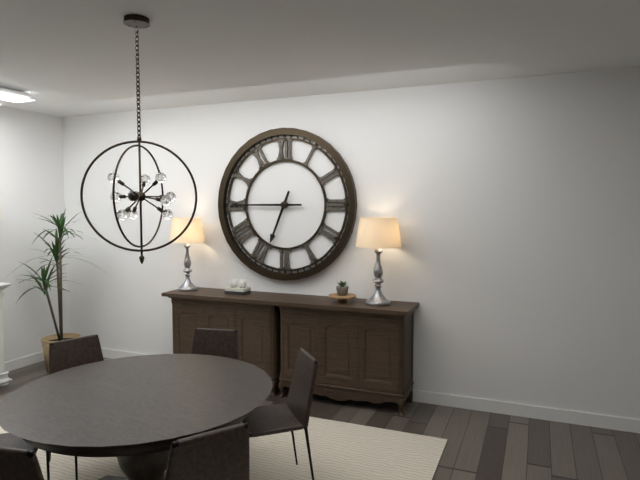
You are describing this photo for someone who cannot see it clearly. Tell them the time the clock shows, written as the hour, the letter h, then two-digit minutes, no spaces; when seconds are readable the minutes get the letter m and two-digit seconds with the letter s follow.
6h45
